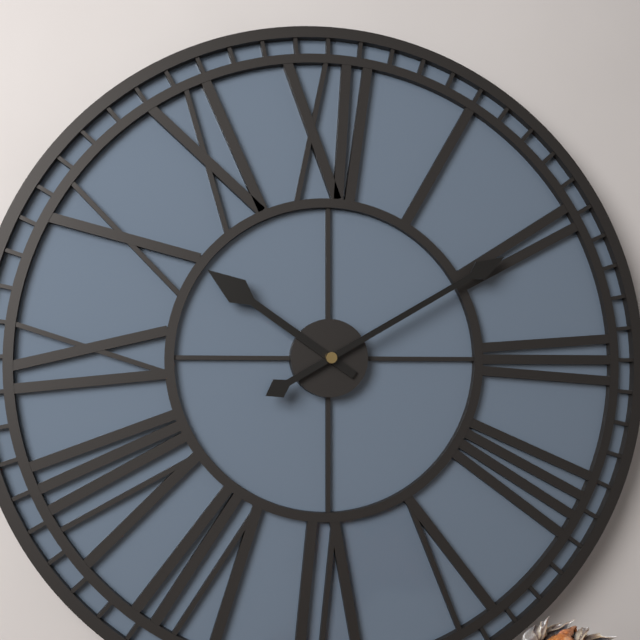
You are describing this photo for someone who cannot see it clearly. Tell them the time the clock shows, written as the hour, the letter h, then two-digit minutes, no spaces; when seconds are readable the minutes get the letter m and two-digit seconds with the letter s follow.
10h10
